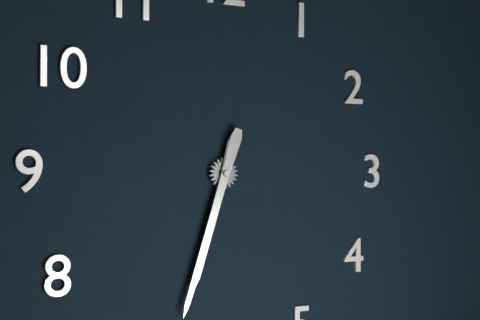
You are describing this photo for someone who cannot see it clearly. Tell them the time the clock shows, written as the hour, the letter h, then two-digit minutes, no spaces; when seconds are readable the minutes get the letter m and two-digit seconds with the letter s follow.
6h33
